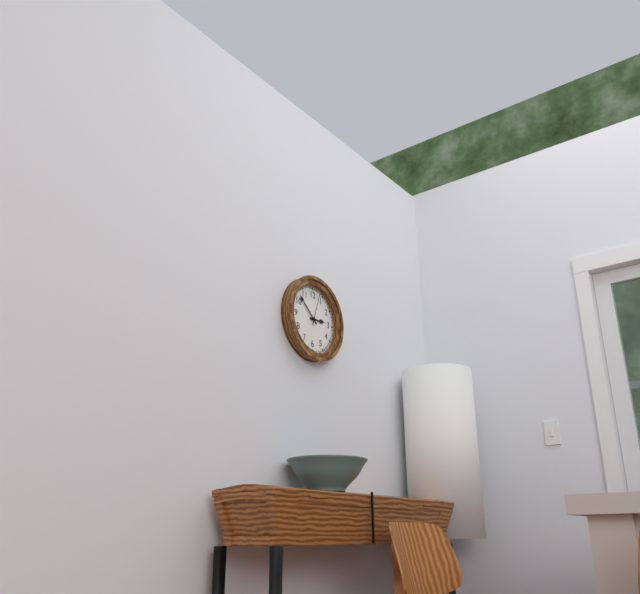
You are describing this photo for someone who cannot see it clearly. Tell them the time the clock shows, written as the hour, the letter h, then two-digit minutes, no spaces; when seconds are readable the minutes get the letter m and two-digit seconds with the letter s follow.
2h52
